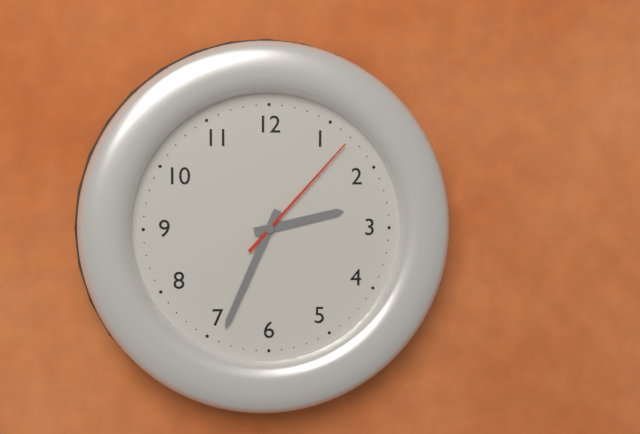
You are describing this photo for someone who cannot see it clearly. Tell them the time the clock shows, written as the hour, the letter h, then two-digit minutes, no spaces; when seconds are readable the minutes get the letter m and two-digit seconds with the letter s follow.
2h34m07s
